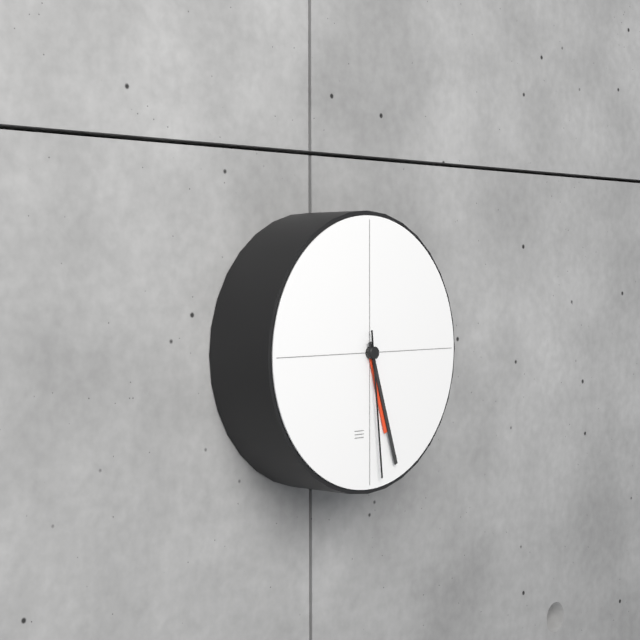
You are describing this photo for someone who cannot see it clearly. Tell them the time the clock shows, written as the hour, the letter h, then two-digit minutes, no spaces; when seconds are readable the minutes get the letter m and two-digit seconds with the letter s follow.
5h27m29s
